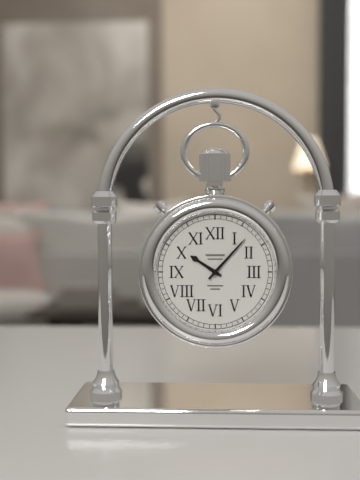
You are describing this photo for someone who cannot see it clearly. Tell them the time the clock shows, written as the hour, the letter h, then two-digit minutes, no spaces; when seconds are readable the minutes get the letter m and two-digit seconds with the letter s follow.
10h07
